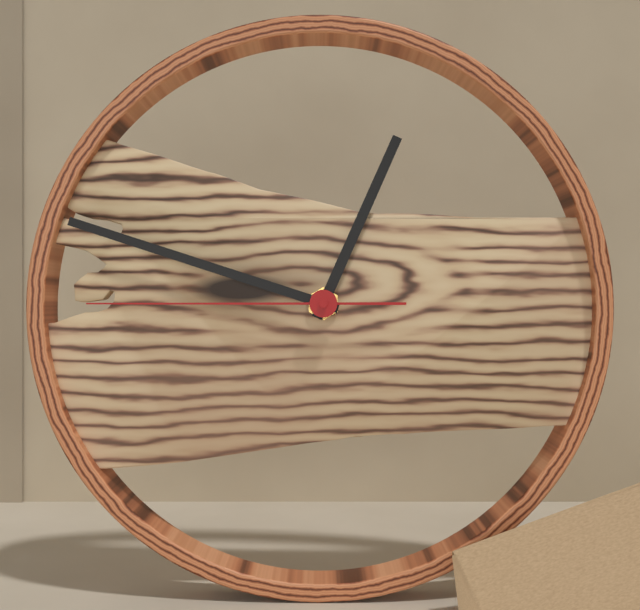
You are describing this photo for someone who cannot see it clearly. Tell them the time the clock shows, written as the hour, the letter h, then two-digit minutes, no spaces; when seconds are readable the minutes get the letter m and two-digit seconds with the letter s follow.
12h48m45s
